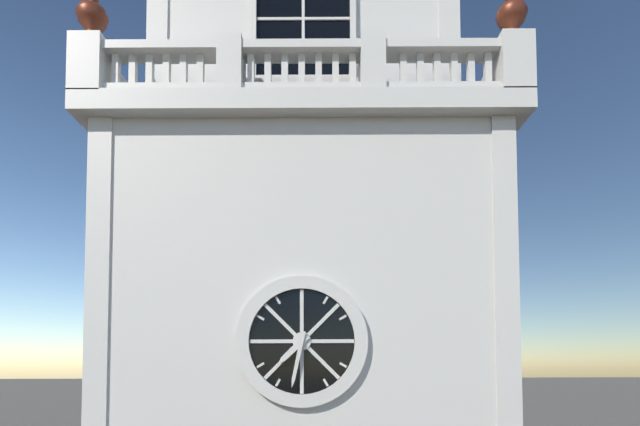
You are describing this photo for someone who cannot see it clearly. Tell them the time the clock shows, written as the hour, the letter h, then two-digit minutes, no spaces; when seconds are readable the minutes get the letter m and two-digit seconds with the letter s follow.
7h32
